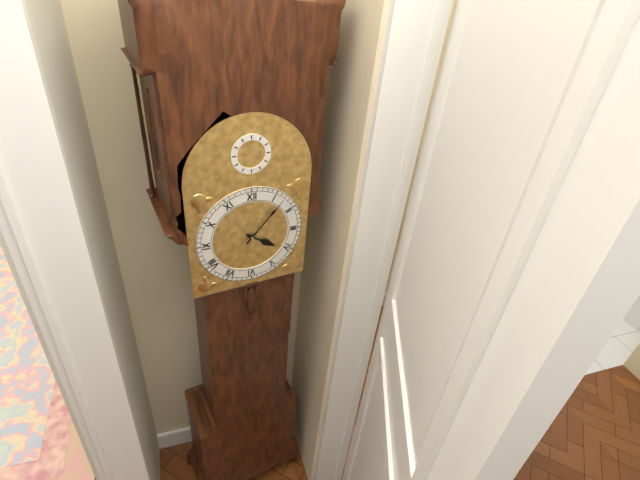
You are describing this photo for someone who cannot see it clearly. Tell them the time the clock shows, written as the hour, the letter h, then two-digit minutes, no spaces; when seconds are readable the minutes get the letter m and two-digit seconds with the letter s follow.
4h07
